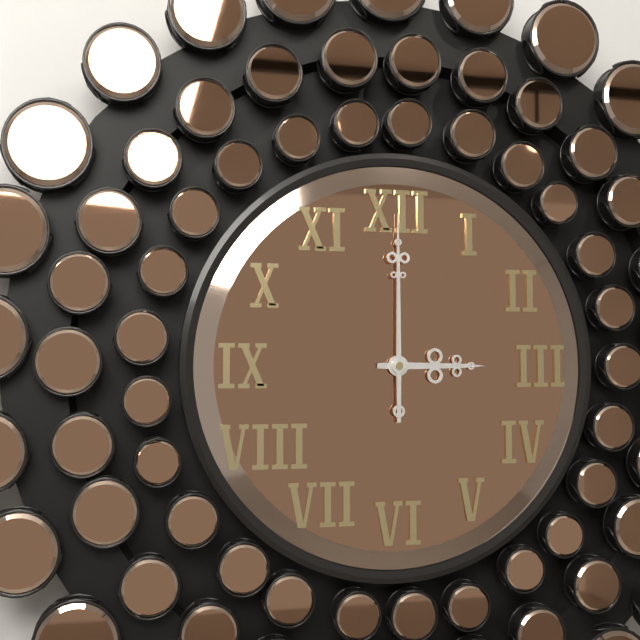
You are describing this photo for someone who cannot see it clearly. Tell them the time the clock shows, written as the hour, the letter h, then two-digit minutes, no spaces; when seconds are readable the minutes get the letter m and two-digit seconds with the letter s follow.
3h00
